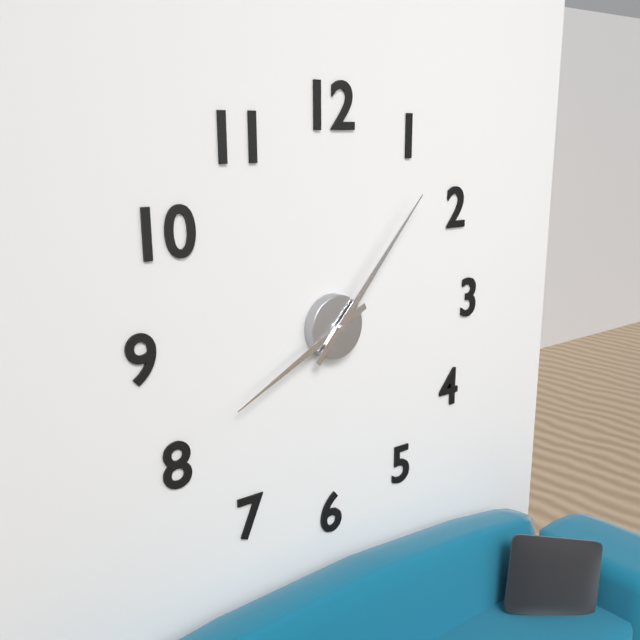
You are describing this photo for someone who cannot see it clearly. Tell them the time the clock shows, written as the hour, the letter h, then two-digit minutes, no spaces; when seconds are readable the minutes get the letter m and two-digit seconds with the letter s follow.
8h07
